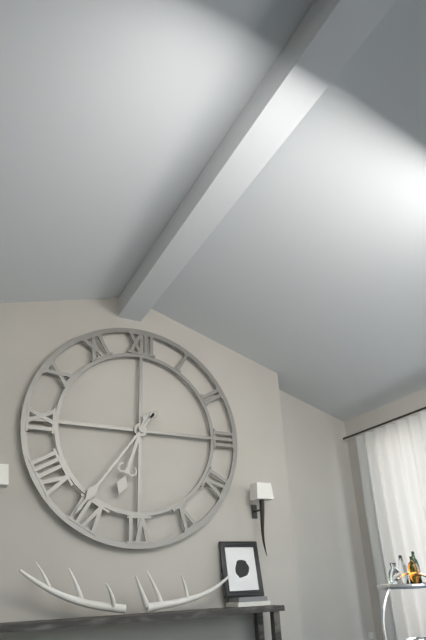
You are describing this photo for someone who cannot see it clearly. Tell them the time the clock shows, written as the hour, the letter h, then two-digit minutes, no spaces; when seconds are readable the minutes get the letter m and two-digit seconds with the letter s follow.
6h36
